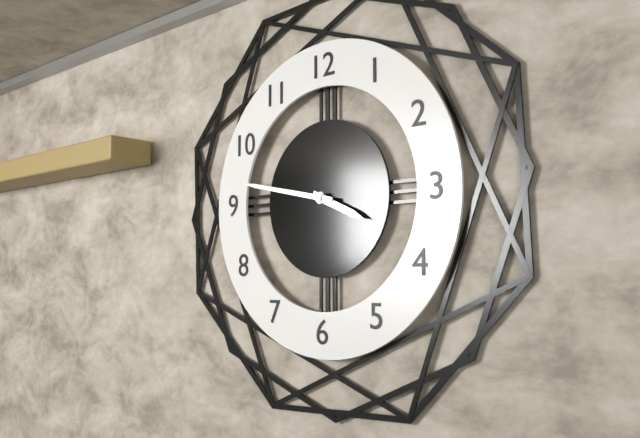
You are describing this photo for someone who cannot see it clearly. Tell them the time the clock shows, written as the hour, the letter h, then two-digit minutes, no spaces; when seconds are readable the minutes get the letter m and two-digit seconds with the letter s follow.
3h47
